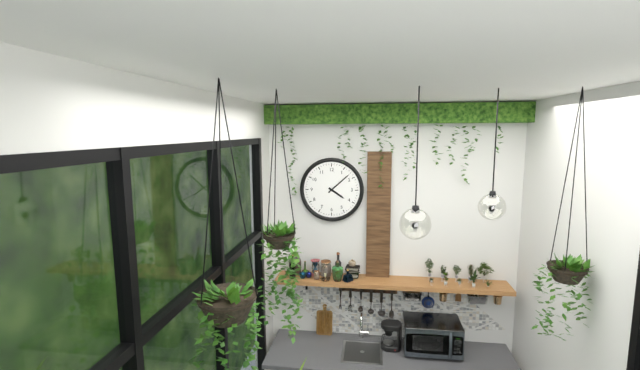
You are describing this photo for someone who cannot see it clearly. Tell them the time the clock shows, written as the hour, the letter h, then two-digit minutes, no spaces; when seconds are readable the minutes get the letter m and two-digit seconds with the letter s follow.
4h08
